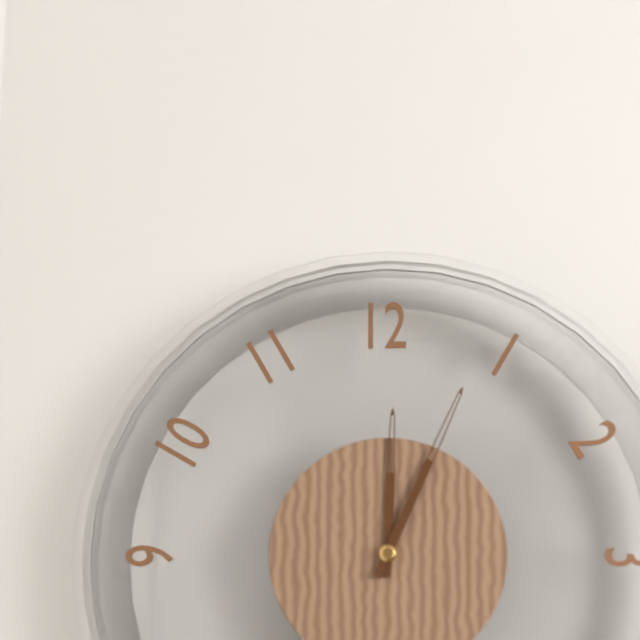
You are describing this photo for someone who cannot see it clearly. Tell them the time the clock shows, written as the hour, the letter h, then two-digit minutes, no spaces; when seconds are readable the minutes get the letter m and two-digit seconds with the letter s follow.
12h04
